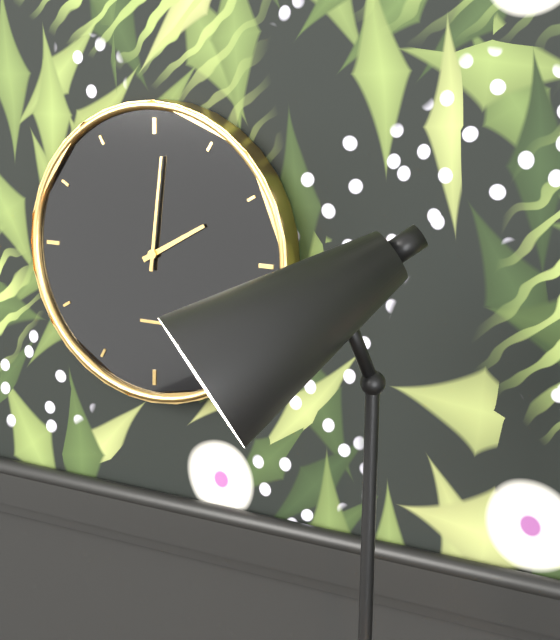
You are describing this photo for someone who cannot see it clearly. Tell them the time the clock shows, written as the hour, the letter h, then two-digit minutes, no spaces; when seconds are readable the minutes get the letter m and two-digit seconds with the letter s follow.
2h01
